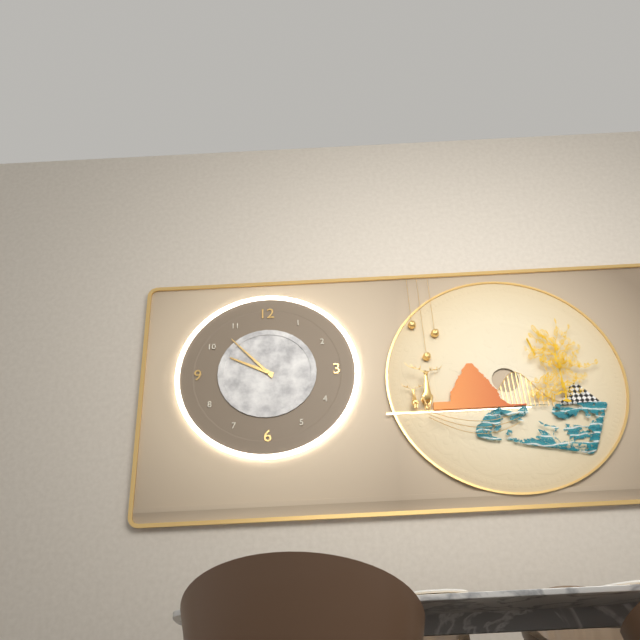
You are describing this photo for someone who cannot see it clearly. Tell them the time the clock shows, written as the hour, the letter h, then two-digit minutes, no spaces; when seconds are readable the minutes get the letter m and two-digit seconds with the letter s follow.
9h53
